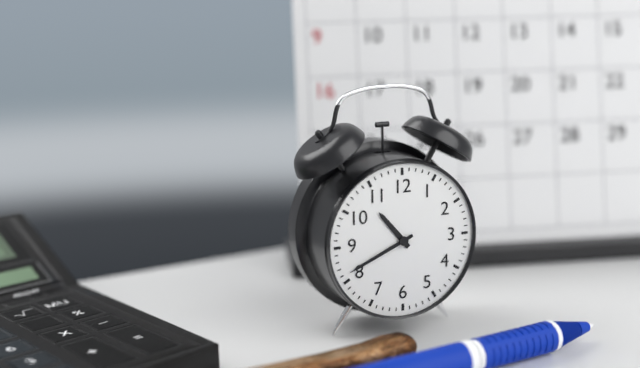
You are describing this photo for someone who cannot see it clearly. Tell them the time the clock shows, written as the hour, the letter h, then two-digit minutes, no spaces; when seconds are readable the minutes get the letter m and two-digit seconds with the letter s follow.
10h41
